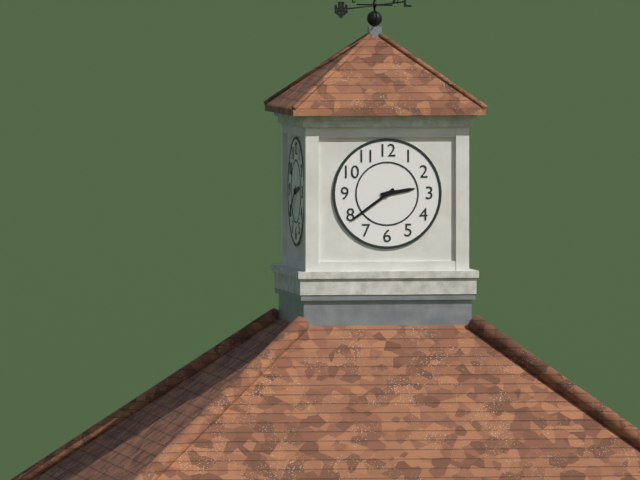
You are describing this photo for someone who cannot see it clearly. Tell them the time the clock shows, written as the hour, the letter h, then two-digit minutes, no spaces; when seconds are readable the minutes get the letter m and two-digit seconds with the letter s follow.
2h39
